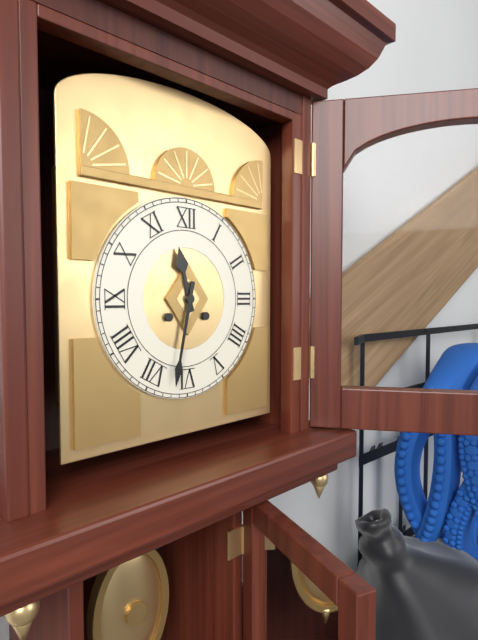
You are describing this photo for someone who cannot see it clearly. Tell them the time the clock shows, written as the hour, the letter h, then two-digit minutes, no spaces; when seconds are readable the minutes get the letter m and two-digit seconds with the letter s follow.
11h32
